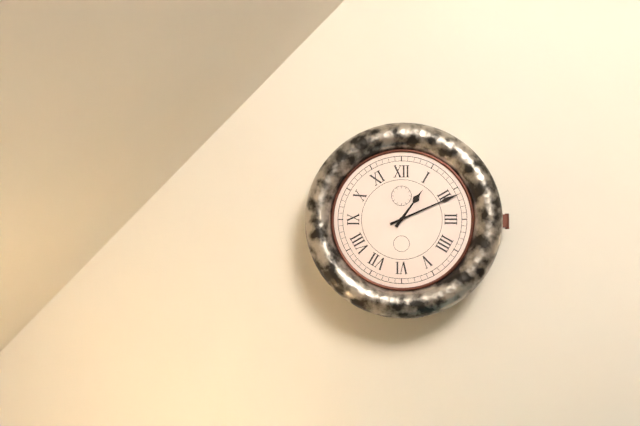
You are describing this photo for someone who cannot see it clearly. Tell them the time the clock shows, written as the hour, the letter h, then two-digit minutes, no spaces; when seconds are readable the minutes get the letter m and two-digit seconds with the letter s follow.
1h11
